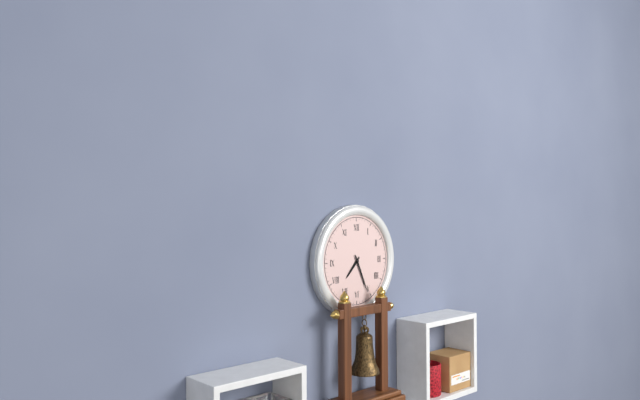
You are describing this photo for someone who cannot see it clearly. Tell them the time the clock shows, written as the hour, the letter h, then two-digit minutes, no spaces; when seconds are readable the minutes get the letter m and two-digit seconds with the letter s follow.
7h26
